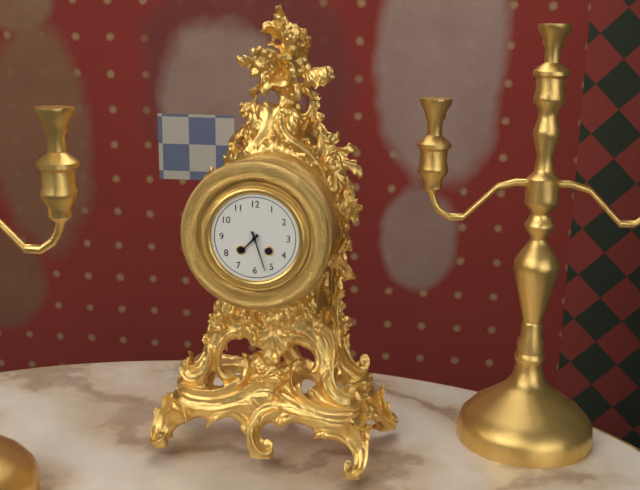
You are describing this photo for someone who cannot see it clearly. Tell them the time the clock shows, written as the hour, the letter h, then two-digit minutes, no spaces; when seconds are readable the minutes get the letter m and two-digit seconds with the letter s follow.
7h27
